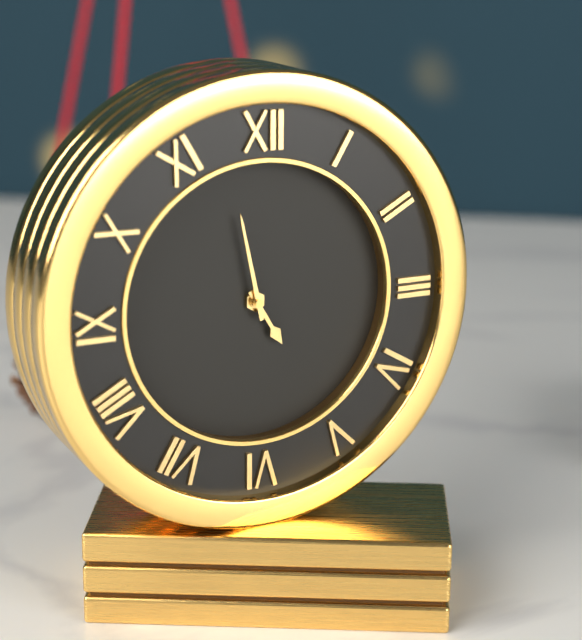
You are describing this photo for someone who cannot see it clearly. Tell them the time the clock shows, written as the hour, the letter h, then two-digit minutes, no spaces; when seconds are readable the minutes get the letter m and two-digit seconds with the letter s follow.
4h58
